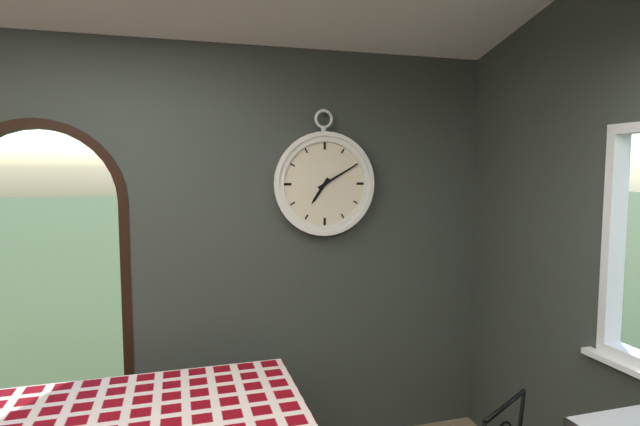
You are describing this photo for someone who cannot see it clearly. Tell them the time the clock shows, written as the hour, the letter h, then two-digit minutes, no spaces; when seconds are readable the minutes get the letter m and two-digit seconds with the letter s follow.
7h10
